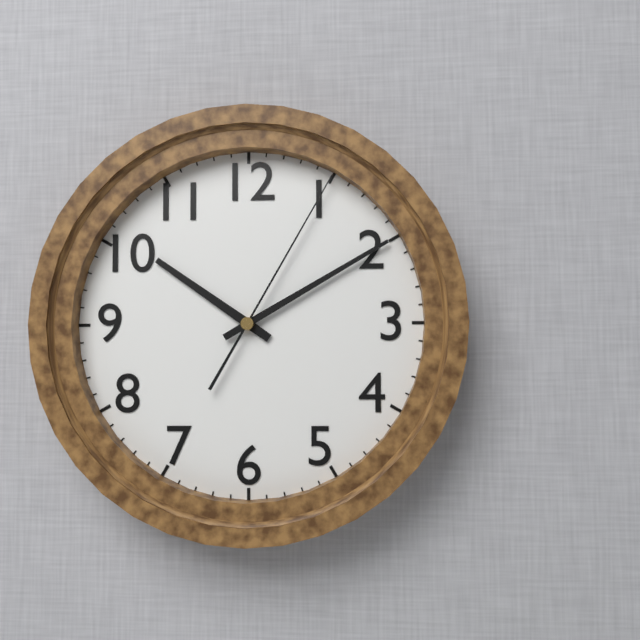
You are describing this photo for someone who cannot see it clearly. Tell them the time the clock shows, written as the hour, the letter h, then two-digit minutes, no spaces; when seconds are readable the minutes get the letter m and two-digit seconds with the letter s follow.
10h10m05s
